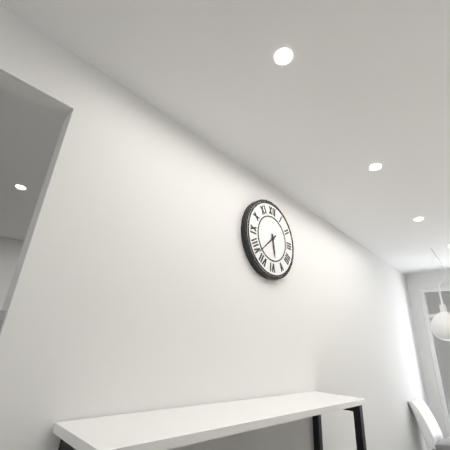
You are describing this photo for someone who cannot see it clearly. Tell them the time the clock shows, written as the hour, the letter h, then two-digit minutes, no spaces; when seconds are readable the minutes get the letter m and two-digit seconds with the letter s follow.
5h38
